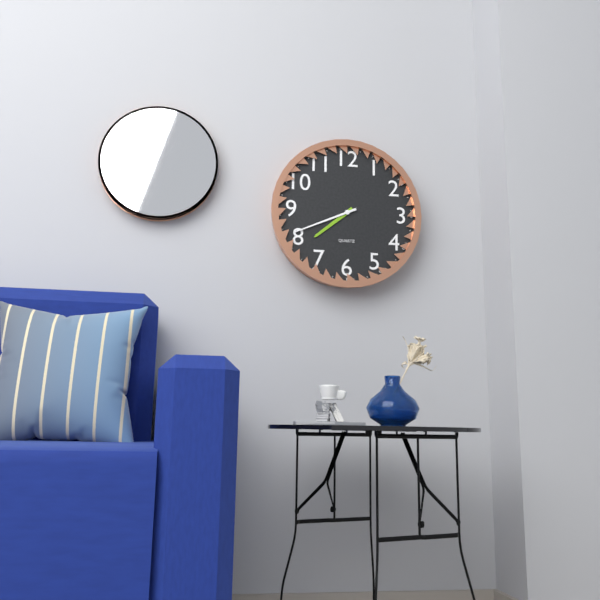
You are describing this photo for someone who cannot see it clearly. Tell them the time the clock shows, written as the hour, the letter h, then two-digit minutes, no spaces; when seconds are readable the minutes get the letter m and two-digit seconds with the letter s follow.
7h41
